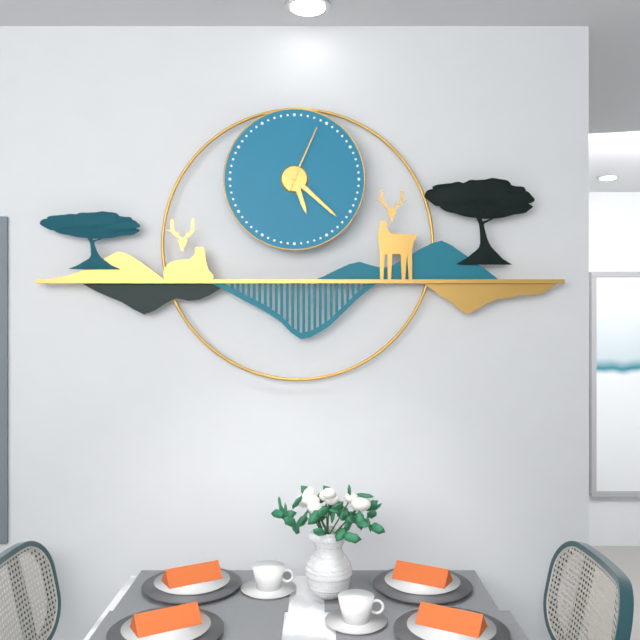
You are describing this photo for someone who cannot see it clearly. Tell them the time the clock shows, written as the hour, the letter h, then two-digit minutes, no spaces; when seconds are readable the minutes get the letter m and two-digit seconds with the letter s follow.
5h22m04s
